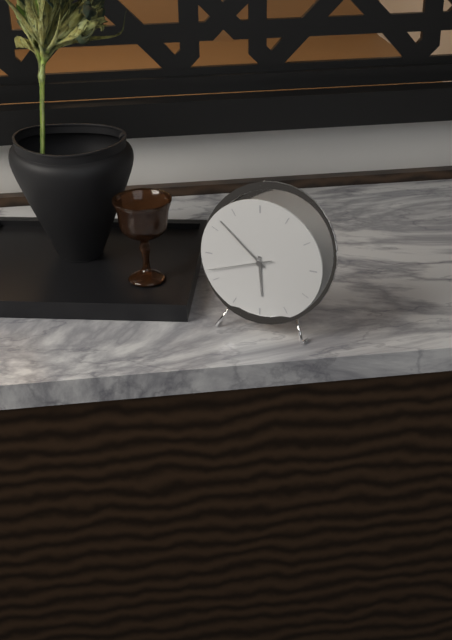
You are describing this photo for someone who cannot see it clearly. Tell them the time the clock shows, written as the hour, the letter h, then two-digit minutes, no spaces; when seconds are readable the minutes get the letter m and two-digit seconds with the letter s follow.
5h52m42s
